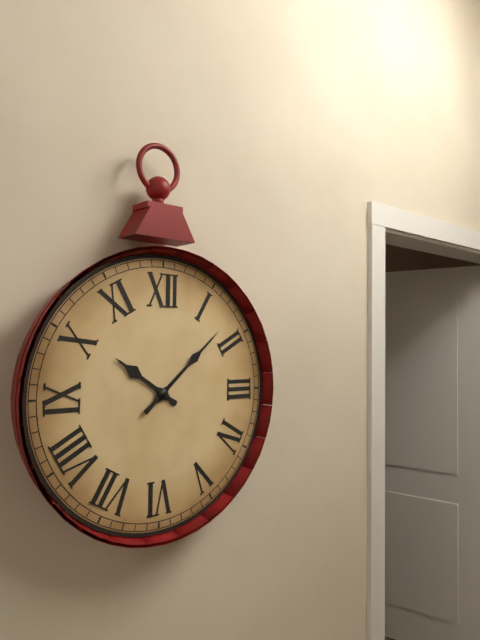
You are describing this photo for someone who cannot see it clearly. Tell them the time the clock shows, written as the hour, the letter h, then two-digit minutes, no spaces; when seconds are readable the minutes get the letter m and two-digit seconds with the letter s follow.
10h08
